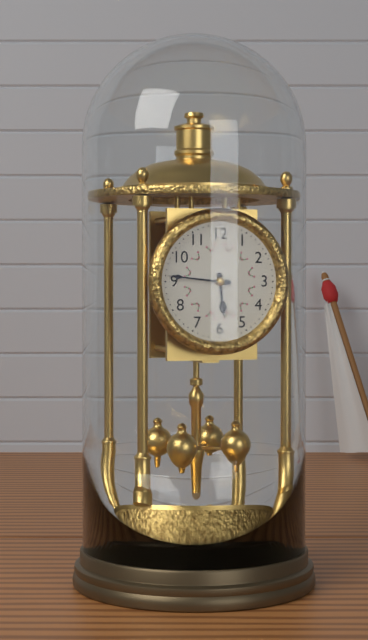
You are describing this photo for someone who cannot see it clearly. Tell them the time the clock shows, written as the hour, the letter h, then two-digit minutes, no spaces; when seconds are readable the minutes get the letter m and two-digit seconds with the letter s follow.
5h46
